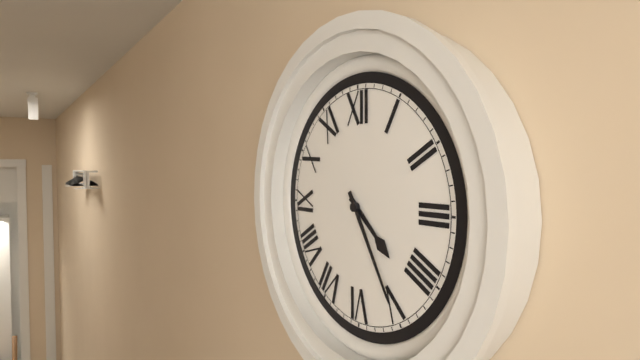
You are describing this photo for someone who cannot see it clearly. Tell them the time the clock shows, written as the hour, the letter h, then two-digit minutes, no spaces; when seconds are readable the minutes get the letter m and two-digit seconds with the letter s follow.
4h25
